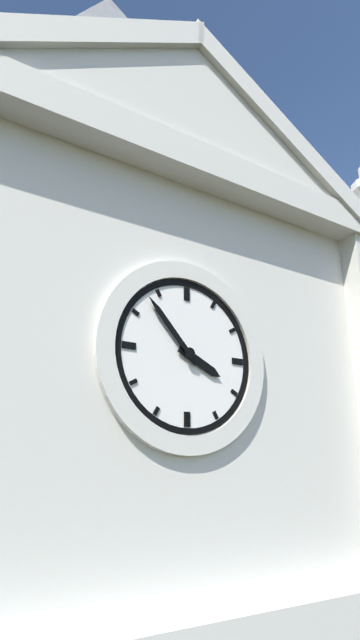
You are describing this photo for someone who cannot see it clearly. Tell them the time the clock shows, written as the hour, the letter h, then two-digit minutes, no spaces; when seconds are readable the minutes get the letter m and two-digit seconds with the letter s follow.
3h53
